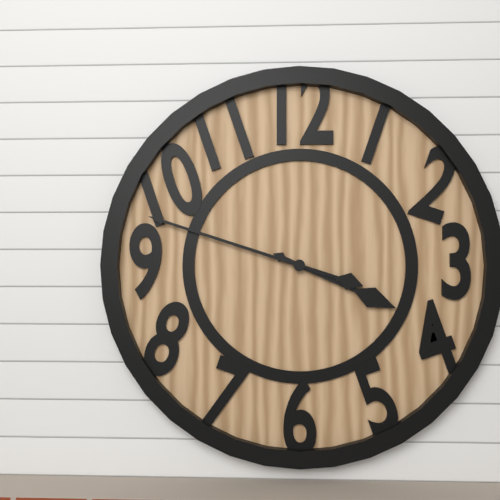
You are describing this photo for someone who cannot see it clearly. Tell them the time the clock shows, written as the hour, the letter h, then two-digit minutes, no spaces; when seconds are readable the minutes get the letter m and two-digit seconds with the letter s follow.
3h48
